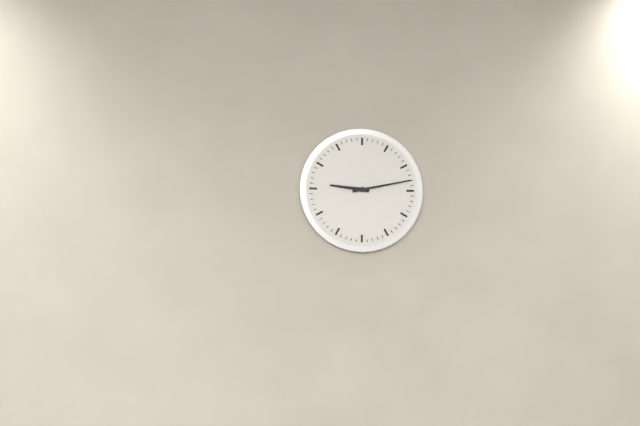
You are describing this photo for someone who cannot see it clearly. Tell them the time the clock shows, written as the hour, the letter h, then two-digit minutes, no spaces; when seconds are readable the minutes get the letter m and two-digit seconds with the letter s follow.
9h13
